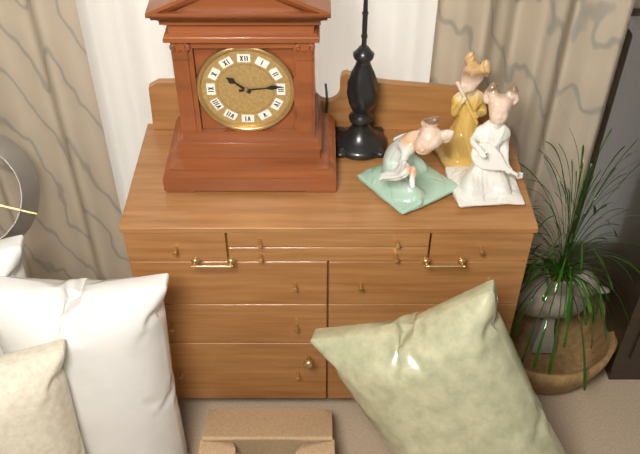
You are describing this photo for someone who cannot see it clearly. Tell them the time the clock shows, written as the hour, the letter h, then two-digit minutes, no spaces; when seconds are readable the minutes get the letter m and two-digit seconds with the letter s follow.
10h14
